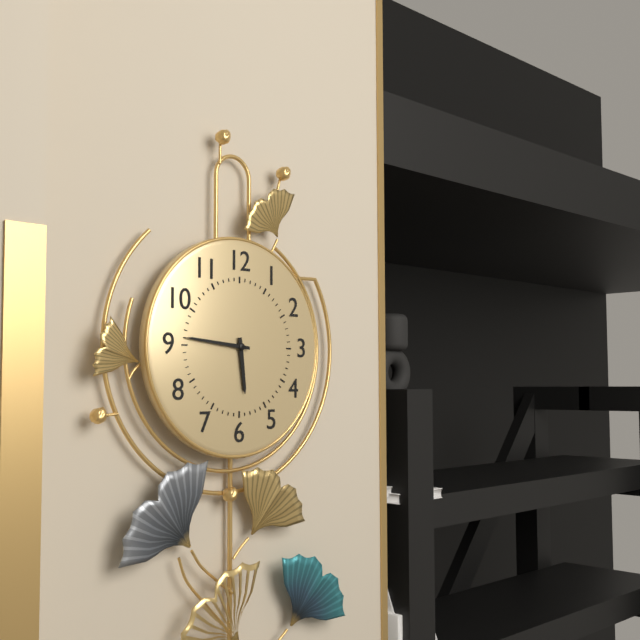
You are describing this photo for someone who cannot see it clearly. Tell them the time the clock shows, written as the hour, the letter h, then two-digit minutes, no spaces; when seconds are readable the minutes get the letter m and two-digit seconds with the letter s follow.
5h46
